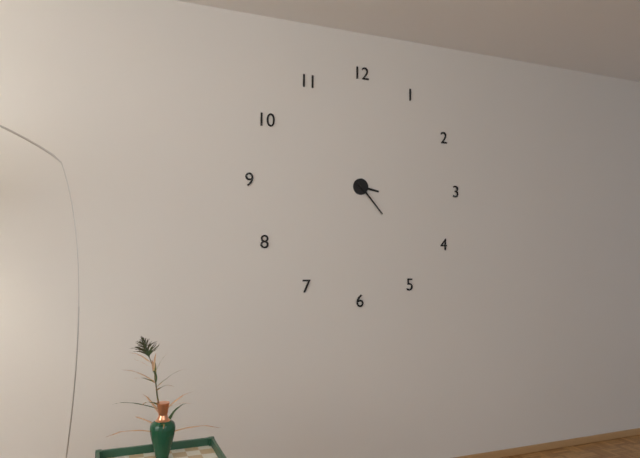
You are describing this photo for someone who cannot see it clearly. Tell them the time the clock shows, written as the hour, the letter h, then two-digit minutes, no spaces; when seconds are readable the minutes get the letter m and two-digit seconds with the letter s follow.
3h23
